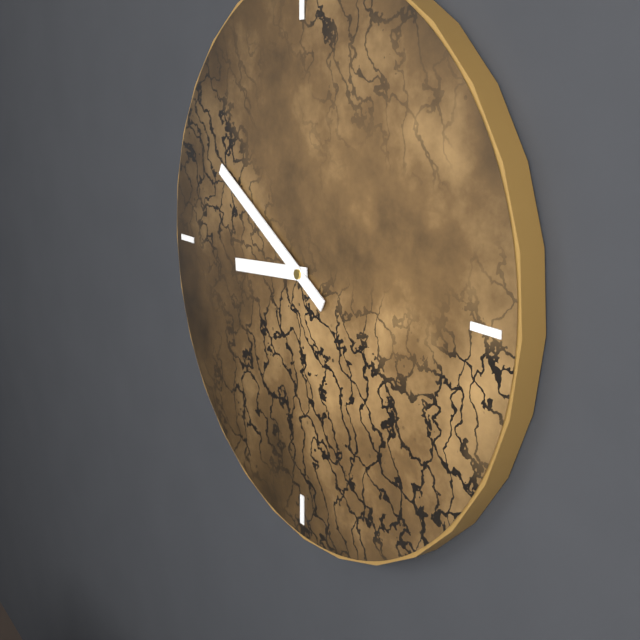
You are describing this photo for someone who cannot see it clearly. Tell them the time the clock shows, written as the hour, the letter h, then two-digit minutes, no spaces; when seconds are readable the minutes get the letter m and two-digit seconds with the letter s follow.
8h50
